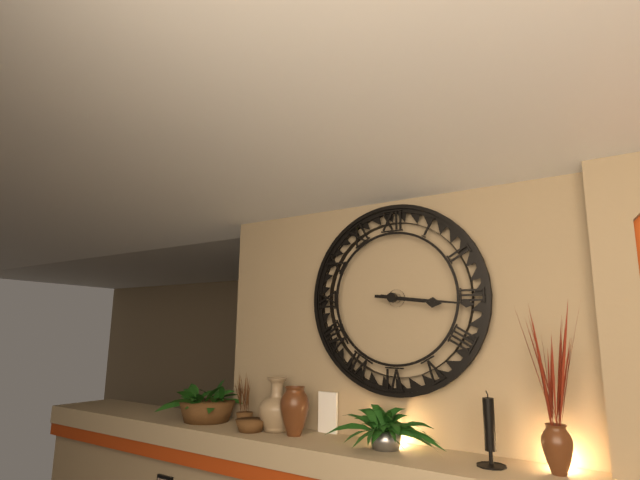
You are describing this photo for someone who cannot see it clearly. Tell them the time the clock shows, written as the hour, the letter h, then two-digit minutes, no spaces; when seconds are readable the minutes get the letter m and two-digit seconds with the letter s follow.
3h16
